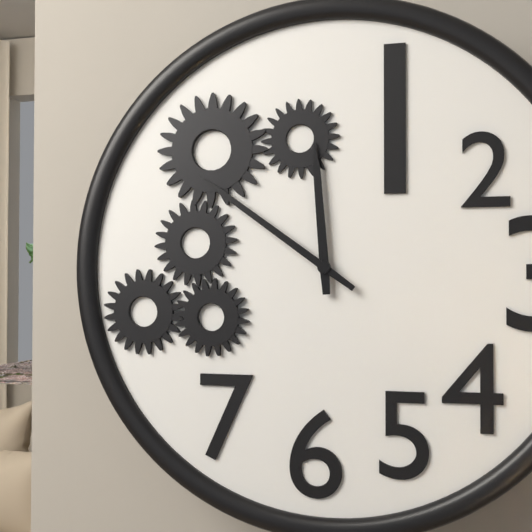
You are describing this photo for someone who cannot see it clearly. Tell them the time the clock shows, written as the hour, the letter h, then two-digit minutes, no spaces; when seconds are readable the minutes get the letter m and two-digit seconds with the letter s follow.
11h51
